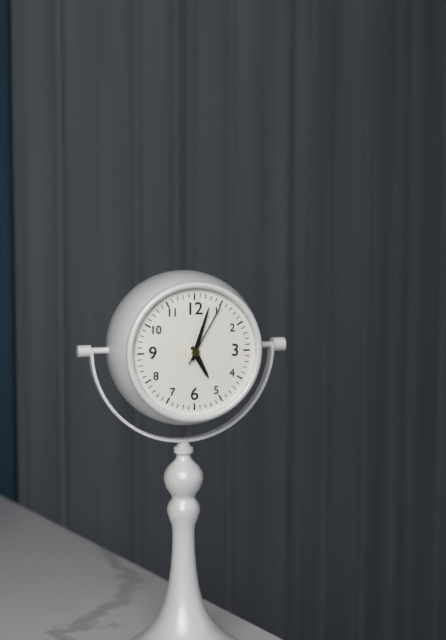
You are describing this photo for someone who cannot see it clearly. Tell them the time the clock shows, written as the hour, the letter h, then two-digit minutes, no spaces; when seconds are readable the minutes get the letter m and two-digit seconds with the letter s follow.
5h03m05s
